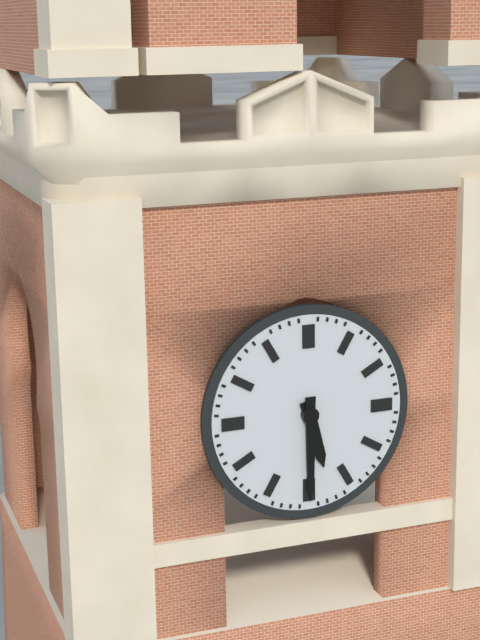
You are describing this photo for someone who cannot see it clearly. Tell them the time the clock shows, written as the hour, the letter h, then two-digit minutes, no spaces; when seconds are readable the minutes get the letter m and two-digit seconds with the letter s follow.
5h30
